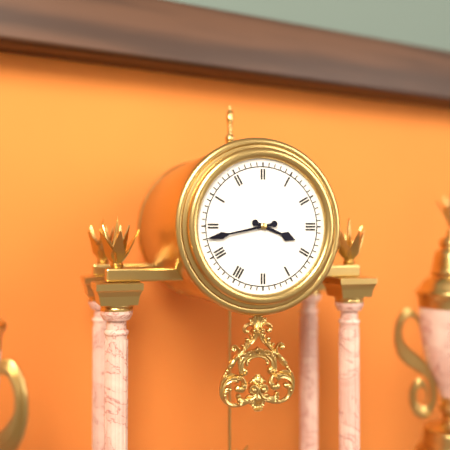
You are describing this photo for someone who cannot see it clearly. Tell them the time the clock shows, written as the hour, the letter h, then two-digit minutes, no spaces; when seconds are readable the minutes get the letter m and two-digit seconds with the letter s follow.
3h43
